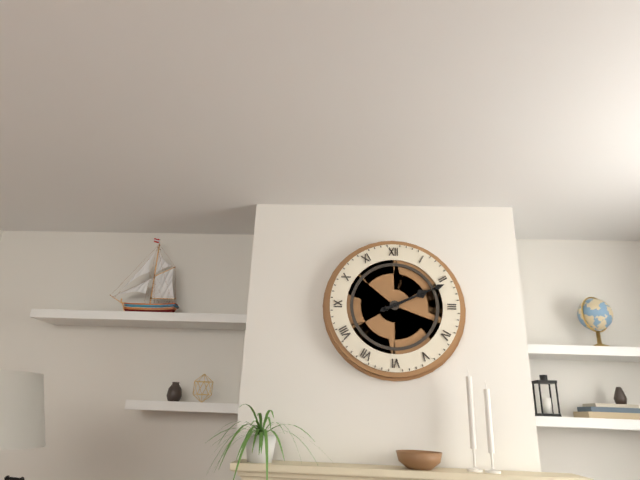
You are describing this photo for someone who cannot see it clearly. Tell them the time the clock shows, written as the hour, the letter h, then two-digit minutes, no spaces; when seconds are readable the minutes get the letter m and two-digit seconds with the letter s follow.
2h11
